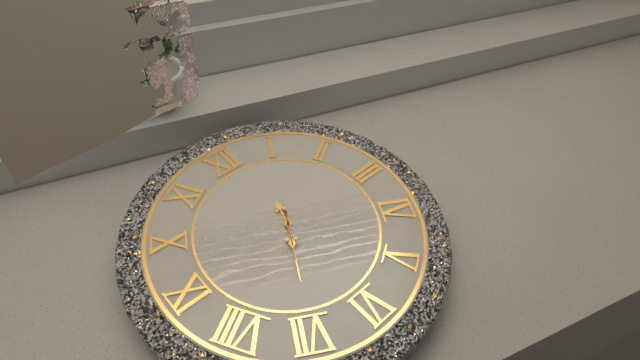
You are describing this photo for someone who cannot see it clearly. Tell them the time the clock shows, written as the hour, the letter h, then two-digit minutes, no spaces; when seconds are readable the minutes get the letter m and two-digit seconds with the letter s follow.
12h35
